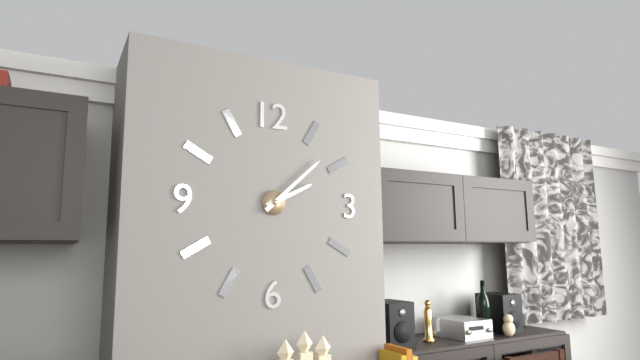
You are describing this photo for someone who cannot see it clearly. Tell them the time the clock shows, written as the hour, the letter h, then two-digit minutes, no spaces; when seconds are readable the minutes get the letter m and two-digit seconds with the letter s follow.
2h08
